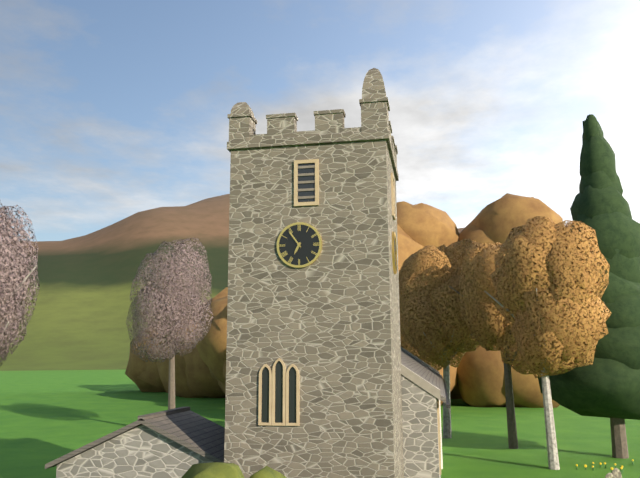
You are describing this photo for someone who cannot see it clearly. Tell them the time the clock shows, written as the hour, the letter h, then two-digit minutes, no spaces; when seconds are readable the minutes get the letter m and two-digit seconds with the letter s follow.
6h54
